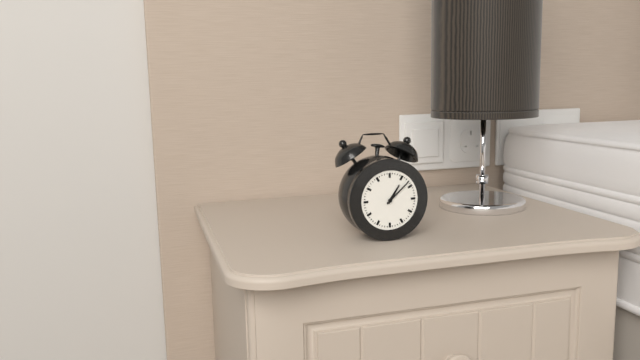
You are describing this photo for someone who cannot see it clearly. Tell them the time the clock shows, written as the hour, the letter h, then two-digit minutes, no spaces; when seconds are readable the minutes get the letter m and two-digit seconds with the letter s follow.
1h08
